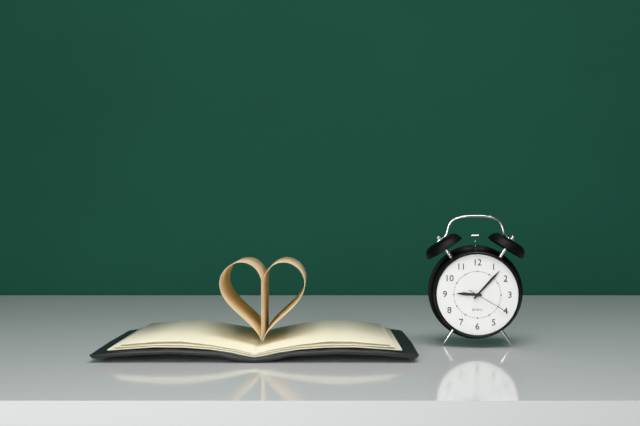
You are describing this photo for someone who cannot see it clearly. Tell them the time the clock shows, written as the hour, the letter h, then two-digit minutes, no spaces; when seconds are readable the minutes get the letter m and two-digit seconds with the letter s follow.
9h07
